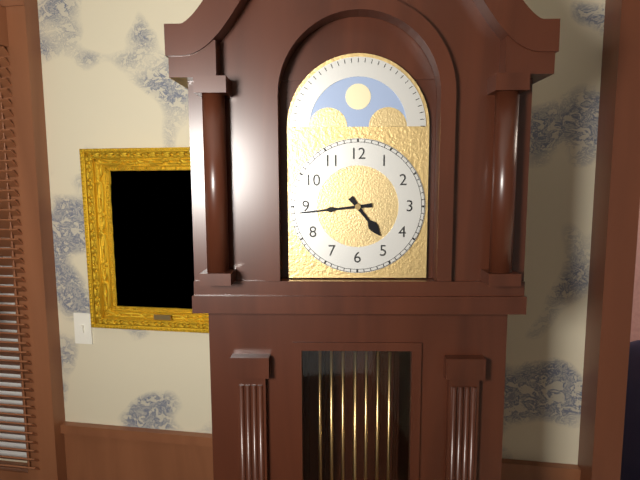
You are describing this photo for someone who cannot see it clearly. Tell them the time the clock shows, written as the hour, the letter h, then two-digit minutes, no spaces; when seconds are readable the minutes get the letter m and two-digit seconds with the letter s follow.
4h44
